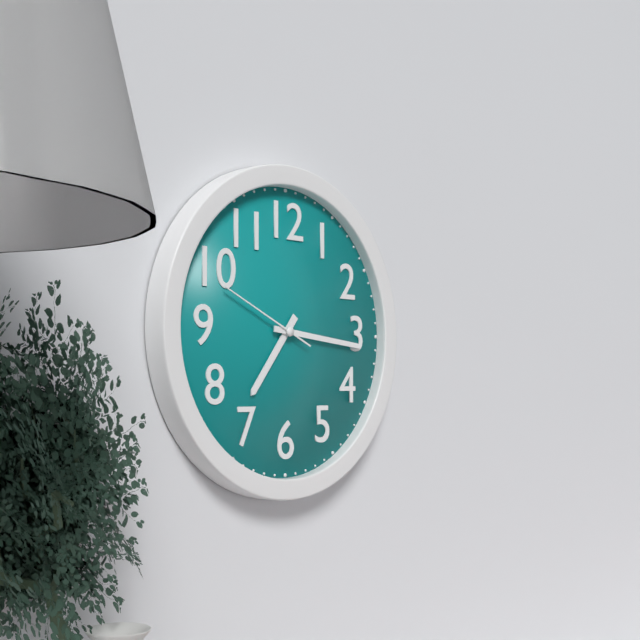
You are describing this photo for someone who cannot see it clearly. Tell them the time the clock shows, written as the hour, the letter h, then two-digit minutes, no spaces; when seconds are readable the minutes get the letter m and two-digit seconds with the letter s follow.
7h16m49s
